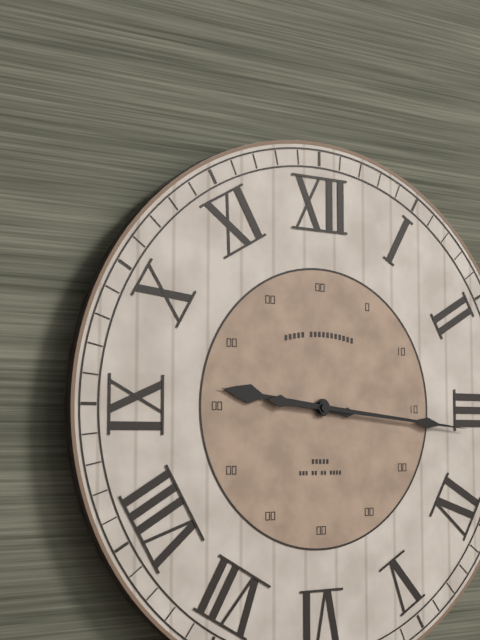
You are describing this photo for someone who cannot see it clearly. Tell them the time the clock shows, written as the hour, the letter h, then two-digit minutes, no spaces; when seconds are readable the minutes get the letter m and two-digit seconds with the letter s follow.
9h16
